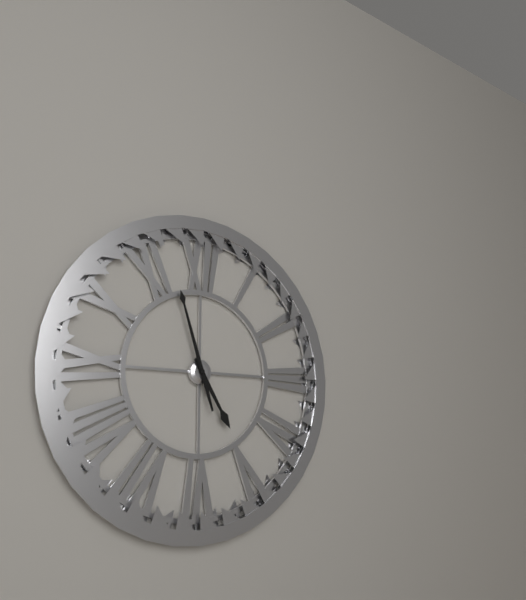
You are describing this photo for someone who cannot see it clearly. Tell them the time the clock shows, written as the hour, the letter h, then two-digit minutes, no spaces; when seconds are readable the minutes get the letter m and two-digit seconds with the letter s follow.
4h57
